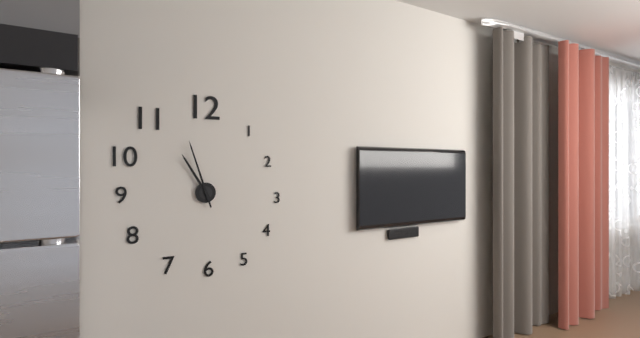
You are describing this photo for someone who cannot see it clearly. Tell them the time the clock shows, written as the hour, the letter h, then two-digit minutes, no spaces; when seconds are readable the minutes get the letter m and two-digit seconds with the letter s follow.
10h57
